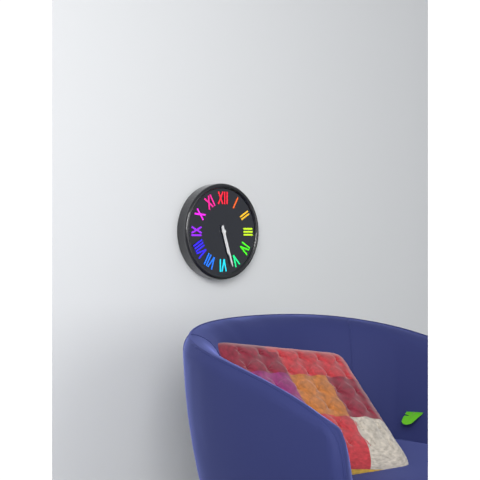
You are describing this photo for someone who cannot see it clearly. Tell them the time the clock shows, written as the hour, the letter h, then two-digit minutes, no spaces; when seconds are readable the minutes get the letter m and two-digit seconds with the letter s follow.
5h27
